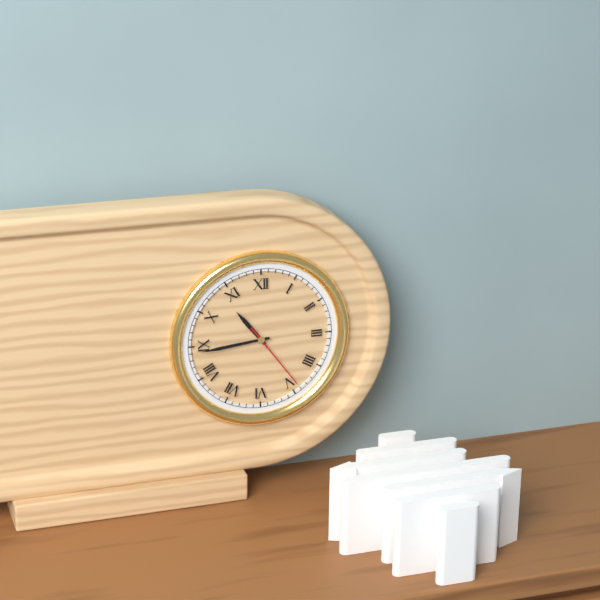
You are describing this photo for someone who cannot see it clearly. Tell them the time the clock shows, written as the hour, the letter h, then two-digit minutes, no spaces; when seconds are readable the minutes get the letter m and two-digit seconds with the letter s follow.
10h44m24s
